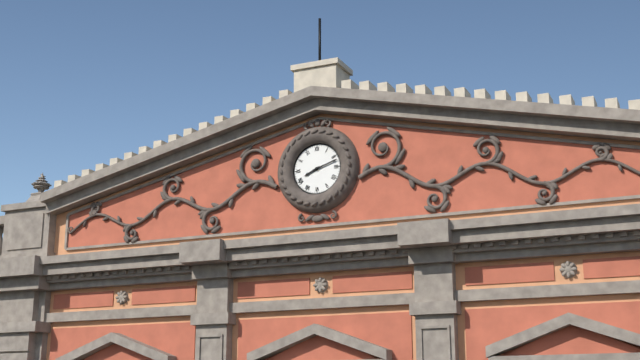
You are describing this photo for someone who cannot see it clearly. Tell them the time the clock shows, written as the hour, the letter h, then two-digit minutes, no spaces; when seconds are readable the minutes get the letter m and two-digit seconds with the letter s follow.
8h12
